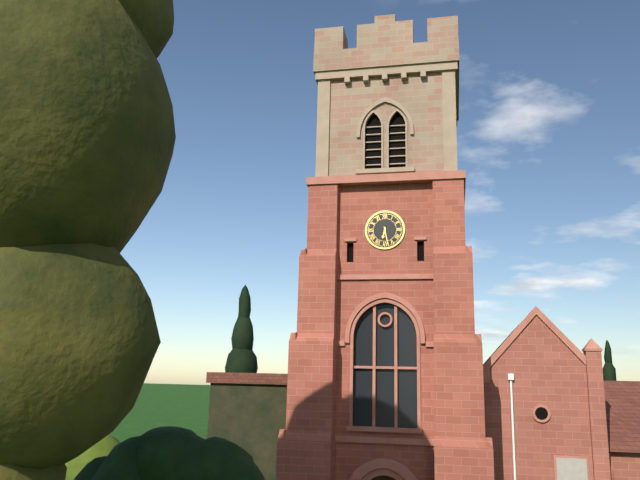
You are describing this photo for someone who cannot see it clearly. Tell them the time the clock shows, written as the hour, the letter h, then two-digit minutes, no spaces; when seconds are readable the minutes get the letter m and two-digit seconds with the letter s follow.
6h28
